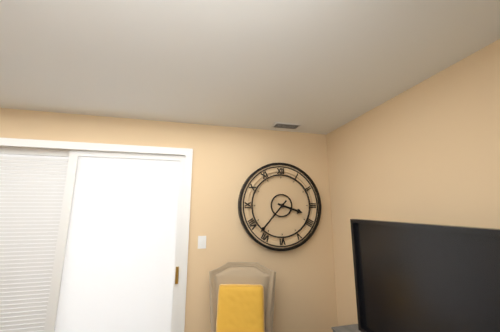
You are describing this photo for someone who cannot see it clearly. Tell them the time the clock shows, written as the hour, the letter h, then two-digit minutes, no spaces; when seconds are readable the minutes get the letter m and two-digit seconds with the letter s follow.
3h37
